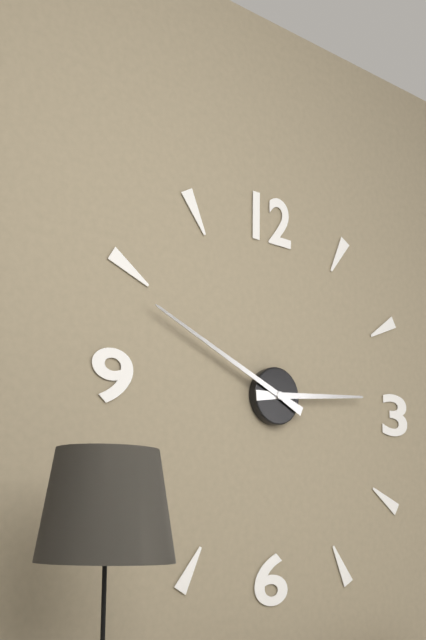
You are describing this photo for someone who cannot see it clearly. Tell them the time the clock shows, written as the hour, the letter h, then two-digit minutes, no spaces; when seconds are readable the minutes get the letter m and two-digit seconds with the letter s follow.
2h49
